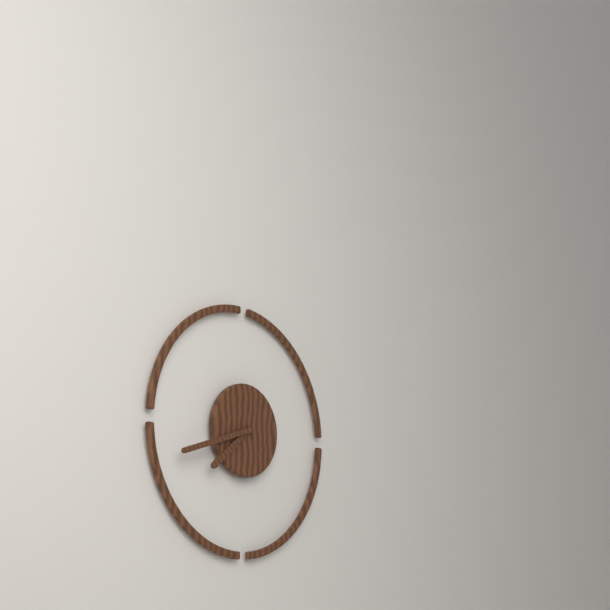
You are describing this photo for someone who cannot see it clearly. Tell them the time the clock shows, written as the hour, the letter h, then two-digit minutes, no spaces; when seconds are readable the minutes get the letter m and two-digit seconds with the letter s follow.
7h42
